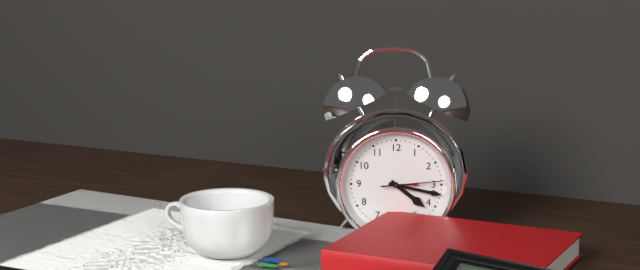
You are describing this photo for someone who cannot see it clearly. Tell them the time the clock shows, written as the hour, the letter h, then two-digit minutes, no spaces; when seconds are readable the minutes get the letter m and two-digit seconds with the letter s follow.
4h17m14s
